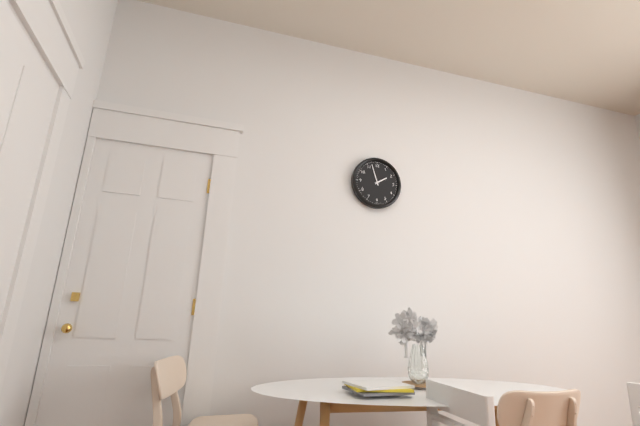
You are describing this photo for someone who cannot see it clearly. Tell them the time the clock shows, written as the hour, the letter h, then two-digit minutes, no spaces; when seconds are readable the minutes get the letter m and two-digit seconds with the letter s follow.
1h57
